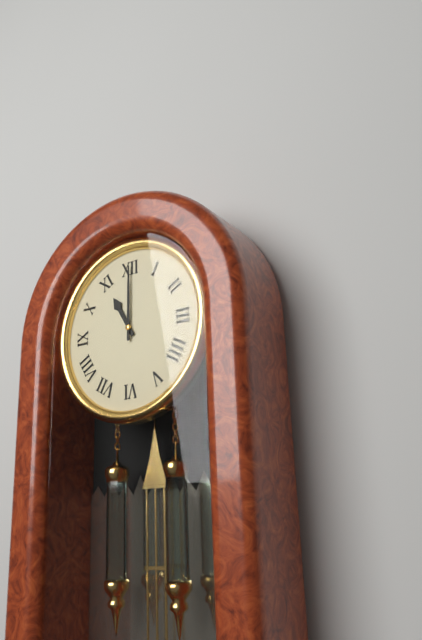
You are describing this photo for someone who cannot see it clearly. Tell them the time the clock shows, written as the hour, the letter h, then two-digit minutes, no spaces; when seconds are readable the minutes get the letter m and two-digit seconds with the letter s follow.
11h00
